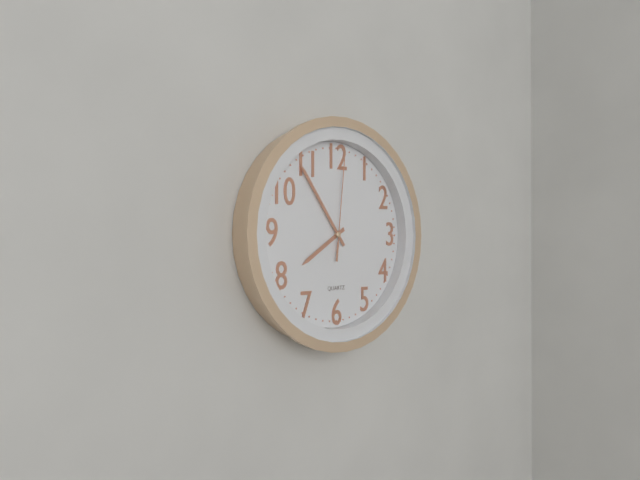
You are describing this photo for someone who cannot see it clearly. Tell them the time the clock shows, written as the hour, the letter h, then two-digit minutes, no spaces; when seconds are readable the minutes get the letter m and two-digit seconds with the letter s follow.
7h54m01s
